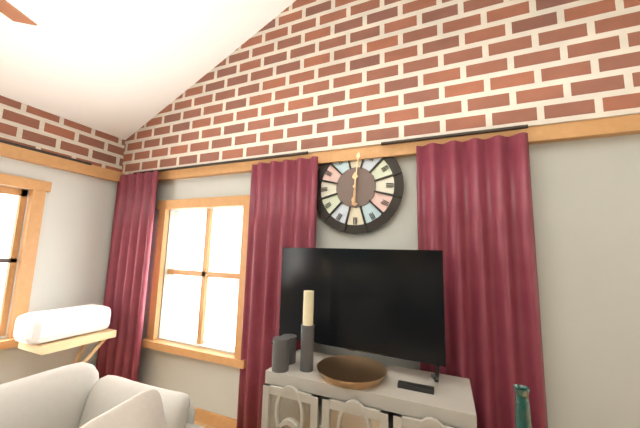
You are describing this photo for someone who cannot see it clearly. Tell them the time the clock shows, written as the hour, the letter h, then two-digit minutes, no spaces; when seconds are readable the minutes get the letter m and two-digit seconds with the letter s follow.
6h01
